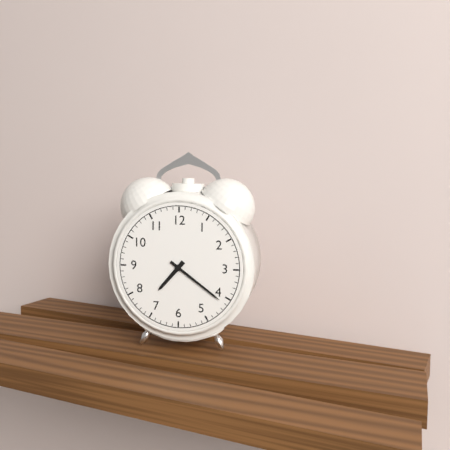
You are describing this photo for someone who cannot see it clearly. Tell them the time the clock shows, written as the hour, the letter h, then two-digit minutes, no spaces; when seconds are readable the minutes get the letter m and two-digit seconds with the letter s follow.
7h21
